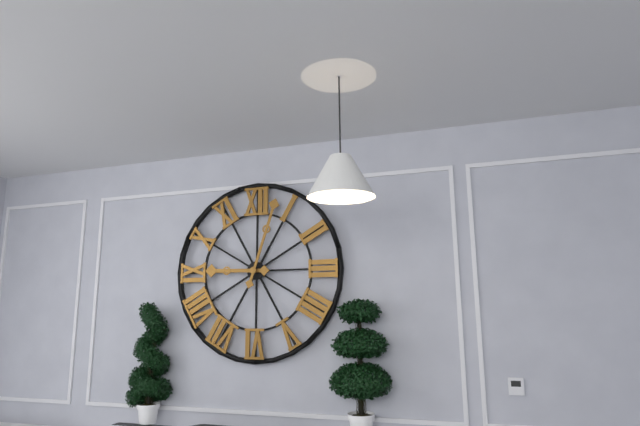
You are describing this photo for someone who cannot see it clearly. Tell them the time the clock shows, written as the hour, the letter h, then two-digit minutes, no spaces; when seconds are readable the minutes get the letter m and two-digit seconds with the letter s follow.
9h03
